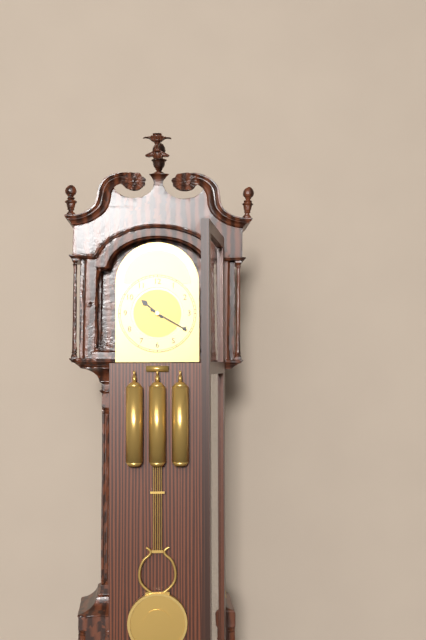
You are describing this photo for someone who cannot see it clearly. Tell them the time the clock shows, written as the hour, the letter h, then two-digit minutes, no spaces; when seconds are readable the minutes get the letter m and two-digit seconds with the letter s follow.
10h20
